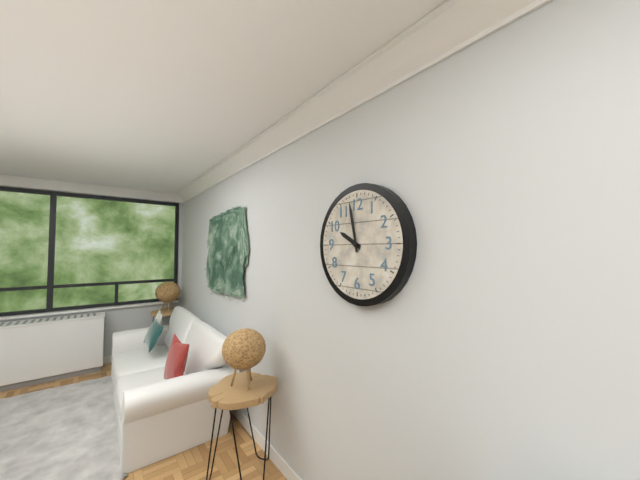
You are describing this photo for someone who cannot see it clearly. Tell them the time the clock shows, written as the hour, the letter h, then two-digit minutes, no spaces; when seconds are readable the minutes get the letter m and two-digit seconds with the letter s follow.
9h58
